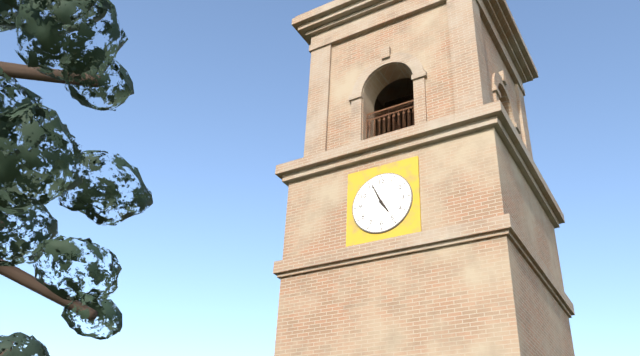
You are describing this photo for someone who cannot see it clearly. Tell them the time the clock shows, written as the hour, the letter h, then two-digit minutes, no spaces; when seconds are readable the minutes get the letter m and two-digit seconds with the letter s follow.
4h56
